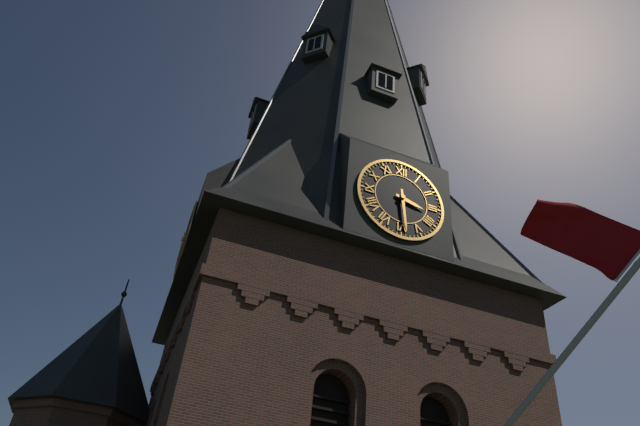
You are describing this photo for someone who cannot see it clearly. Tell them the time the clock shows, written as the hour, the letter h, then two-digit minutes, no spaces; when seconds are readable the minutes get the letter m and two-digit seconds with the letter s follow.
3h29
